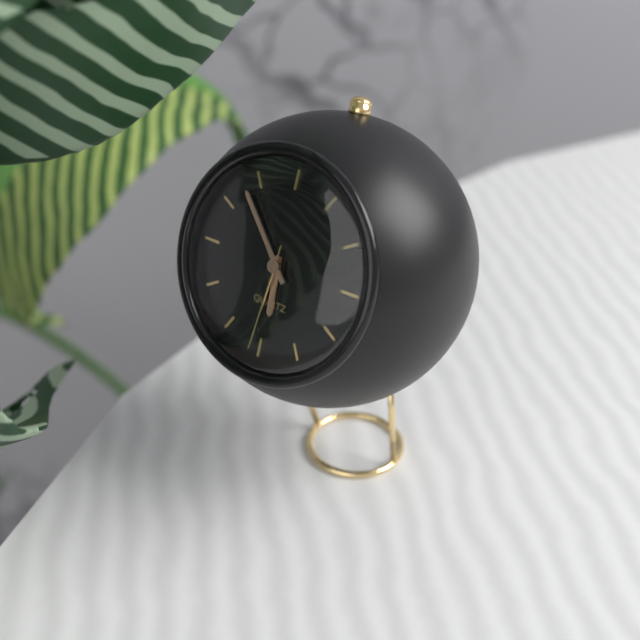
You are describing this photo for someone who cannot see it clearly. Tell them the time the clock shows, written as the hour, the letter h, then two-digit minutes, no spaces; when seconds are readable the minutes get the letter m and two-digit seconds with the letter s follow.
5h53m31s
